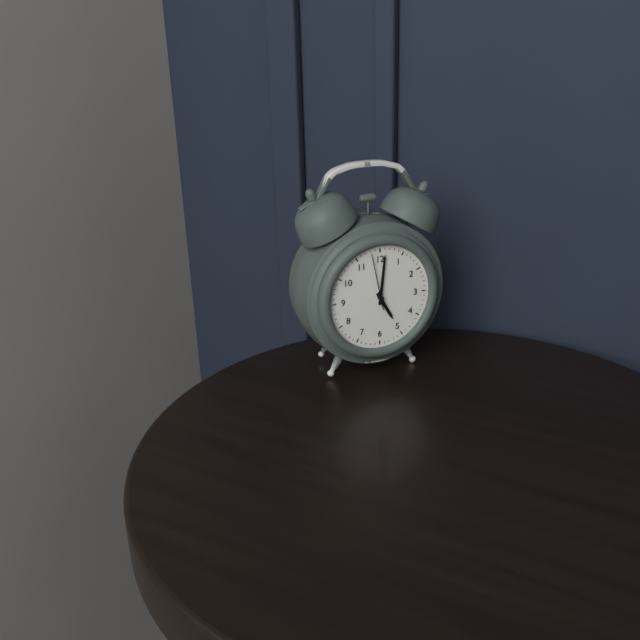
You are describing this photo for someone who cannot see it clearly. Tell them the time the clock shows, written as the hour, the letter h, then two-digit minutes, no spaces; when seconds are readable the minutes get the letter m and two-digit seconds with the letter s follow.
5h01m58s
